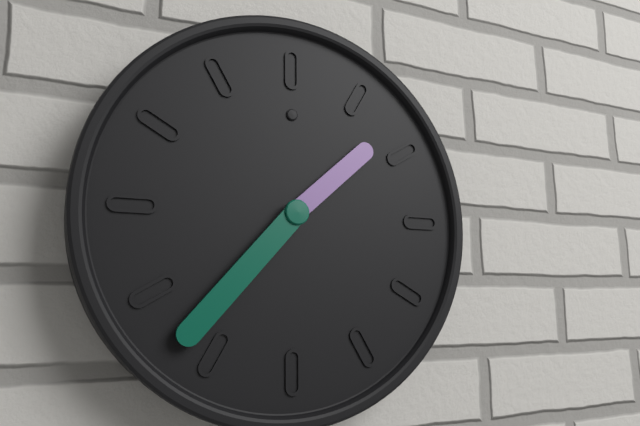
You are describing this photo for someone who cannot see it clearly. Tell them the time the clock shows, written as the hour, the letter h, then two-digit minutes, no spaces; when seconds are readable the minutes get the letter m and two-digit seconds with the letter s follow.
1h37
